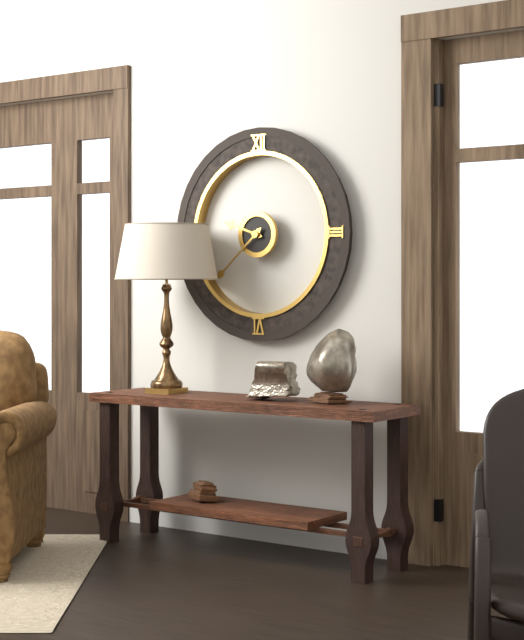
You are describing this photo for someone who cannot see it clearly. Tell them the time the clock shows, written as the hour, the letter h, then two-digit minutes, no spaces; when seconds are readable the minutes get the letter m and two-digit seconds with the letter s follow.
9h38
